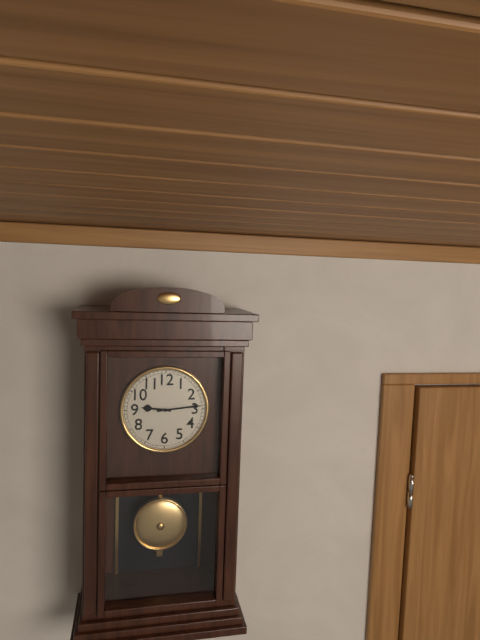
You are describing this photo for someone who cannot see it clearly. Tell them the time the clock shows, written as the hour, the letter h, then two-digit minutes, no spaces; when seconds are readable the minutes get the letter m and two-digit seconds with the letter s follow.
9h14
